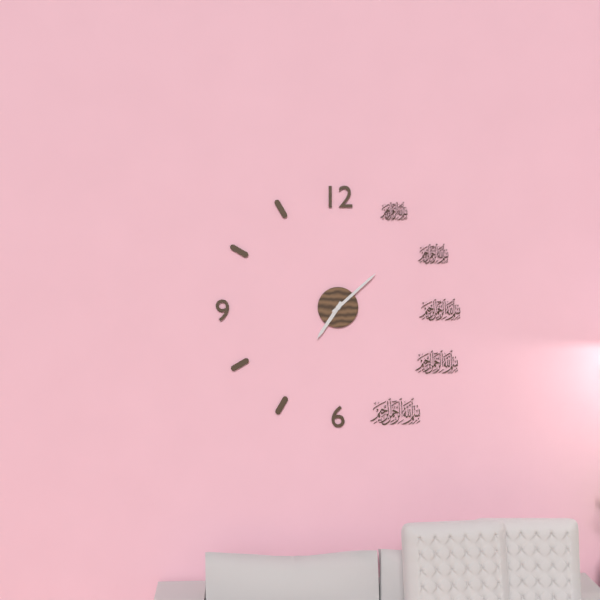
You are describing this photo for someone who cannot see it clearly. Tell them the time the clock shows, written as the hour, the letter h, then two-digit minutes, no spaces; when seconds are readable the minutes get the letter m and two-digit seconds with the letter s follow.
7h08
